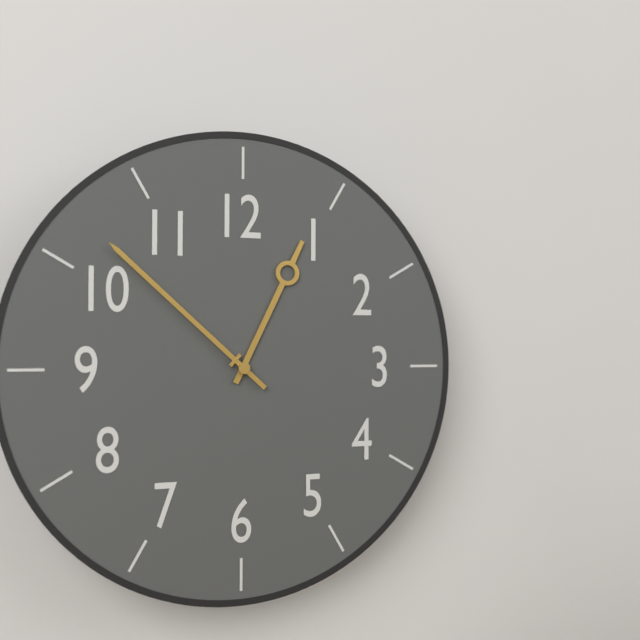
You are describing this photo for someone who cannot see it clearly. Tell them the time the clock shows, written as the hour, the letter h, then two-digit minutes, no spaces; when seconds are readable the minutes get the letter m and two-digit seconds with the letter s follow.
12h52
